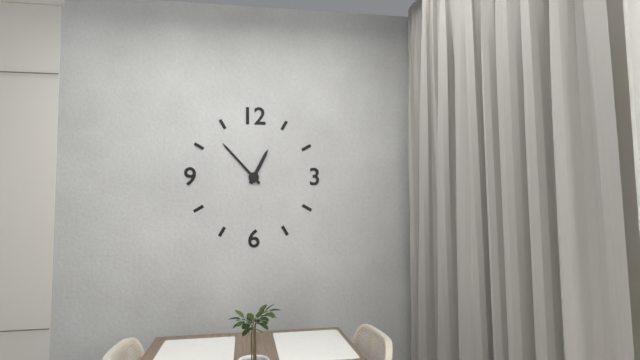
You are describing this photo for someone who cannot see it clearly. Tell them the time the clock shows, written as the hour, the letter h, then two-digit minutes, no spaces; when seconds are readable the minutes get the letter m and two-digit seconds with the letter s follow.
12h53
